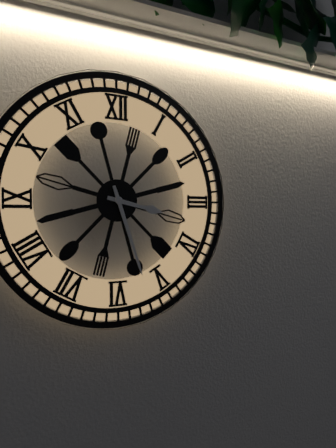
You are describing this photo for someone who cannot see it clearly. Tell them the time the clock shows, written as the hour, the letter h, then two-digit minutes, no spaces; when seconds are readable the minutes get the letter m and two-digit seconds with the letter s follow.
3h27
